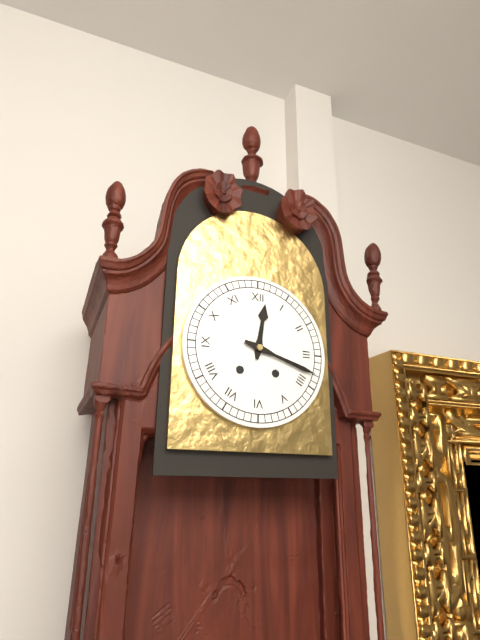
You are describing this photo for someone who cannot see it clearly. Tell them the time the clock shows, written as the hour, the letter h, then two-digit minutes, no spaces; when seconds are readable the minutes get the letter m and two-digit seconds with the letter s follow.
12h18
